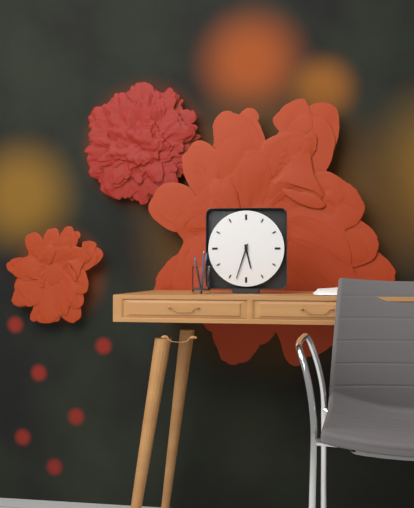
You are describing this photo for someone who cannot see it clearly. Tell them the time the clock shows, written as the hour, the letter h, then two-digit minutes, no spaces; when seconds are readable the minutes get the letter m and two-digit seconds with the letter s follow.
5h33
